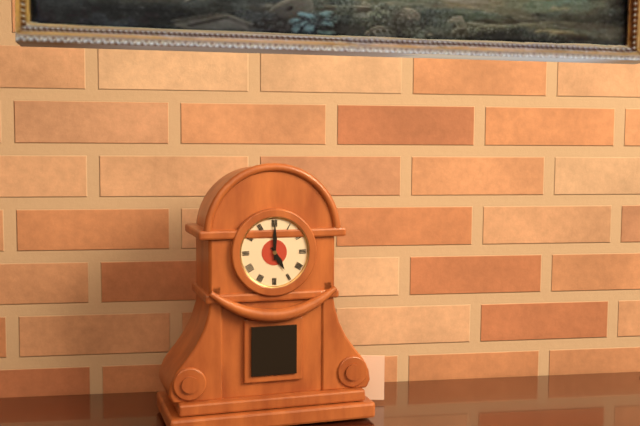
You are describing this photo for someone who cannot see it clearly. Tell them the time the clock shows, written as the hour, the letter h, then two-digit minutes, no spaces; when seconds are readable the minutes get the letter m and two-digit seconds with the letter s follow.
5h00
